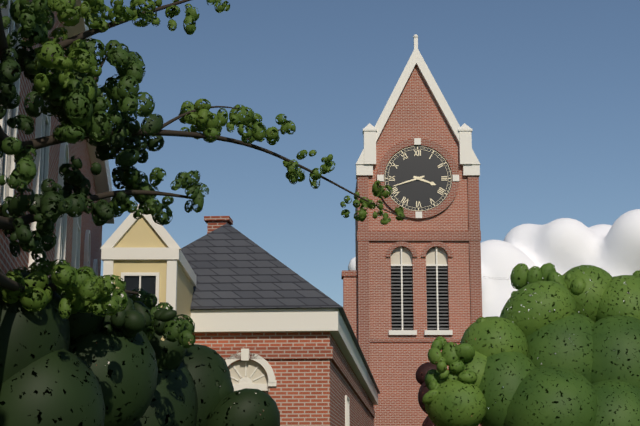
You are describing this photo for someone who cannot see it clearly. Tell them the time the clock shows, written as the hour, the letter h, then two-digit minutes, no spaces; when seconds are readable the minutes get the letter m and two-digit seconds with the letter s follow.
3h42
